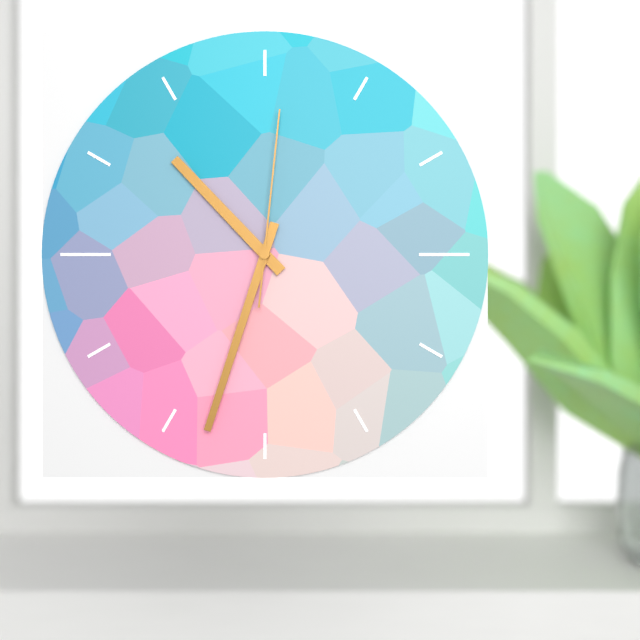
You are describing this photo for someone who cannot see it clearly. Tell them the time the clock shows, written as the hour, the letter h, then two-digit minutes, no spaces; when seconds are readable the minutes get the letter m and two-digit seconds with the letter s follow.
10h33m01s
